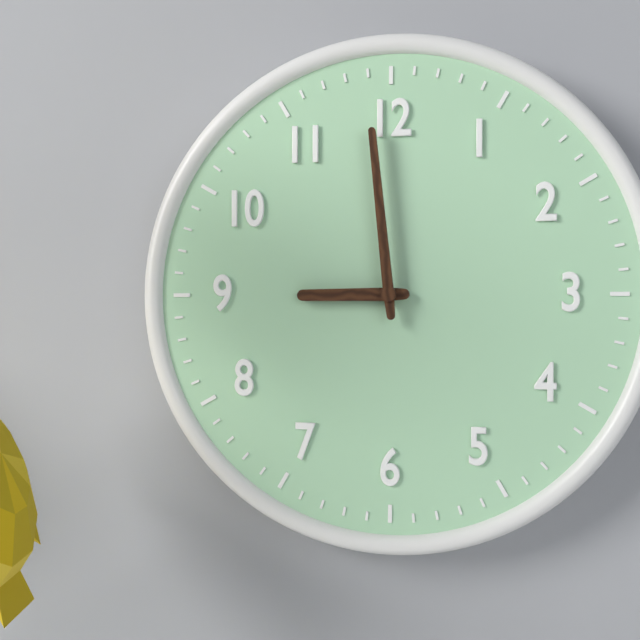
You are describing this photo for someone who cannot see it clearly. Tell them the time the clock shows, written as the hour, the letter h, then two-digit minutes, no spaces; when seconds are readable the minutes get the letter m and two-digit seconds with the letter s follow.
8h59
